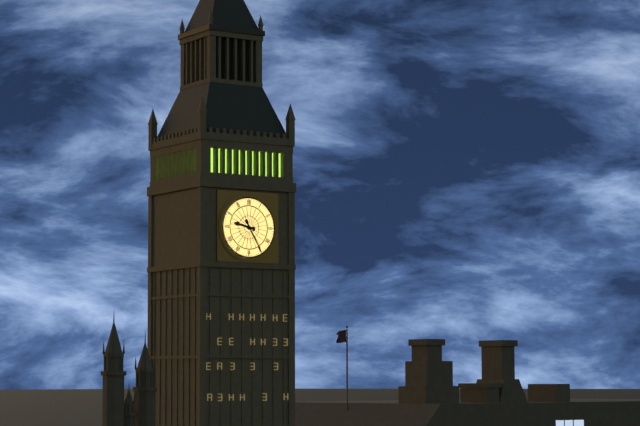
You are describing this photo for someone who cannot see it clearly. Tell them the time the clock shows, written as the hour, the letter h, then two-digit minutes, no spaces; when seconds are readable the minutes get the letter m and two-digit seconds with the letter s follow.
9h25
